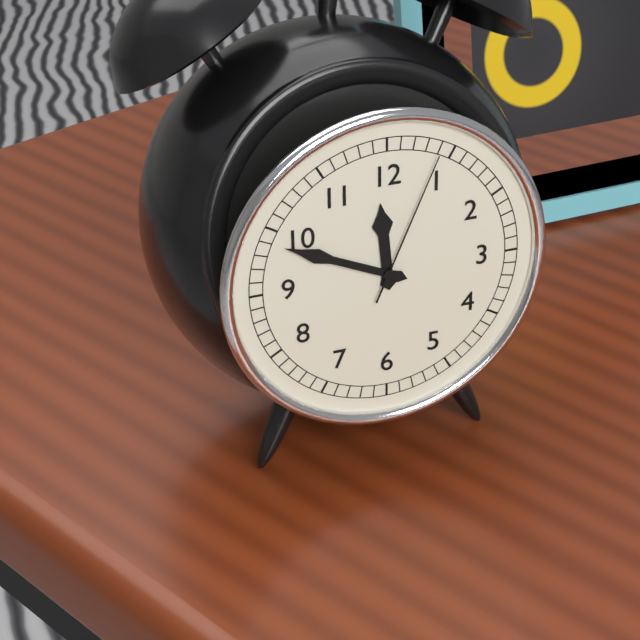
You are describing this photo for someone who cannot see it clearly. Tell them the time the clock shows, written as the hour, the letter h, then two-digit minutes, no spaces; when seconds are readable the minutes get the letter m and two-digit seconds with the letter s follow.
11h49m04s
